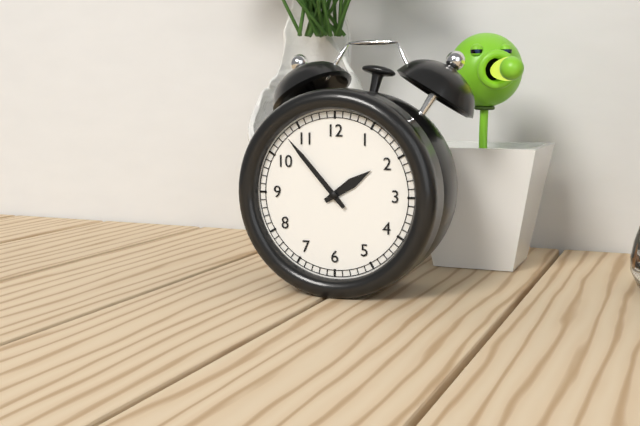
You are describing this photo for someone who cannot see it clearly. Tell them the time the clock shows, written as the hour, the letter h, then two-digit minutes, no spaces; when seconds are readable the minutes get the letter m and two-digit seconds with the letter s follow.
1h53
